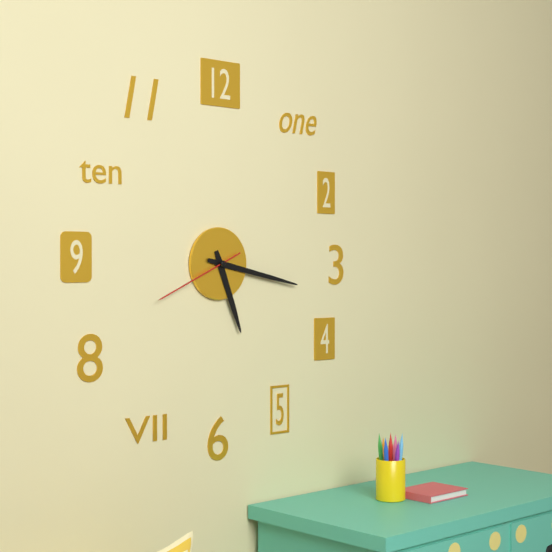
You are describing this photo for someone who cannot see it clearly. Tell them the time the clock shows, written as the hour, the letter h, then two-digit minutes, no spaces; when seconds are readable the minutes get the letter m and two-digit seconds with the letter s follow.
5h17m41s
